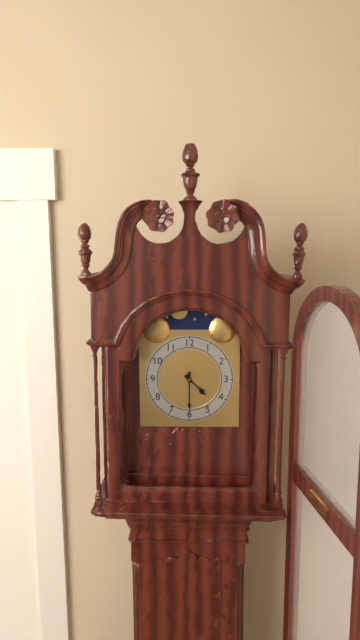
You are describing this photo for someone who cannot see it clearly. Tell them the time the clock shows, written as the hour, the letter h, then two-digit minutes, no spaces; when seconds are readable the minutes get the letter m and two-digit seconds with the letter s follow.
4h30
